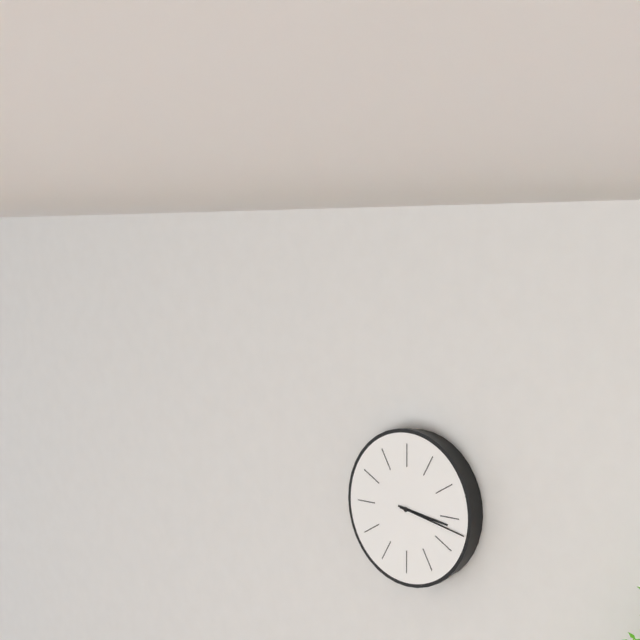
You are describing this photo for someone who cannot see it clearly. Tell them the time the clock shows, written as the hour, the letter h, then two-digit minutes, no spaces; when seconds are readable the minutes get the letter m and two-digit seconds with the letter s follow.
3h17
